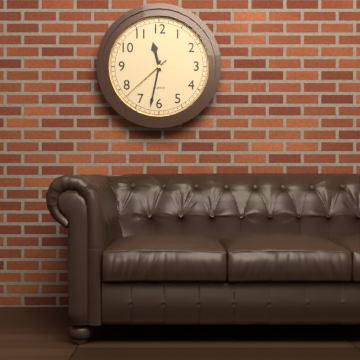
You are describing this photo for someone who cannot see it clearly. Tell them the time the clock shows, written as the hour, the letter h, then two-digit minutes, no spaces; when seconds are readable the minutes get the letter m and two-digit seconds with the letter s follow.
11h32m38s
